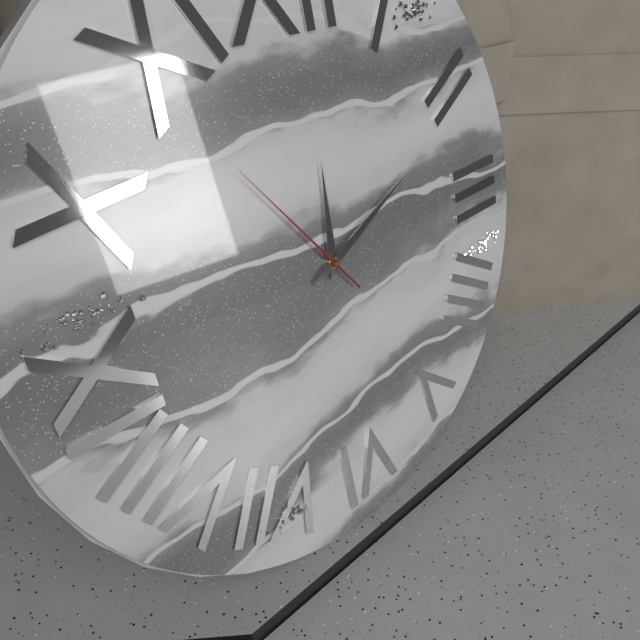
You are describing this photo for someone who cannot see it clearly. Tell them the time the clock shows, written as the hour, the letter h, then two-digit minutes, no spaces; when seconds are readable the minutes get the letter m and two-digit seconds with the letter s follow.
12h11m54s
